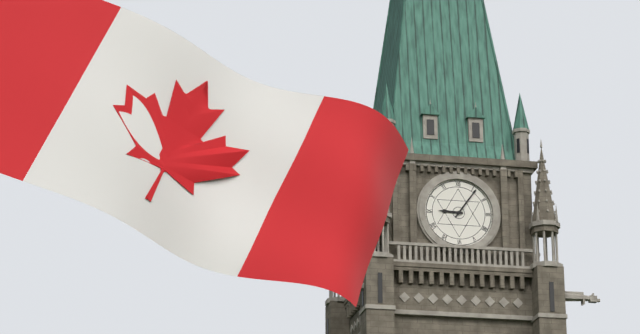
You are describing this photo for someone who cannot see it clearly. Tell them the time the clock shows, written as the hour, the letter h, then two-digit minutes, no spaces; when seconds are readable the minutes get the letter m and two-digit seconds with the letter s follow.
9h06
